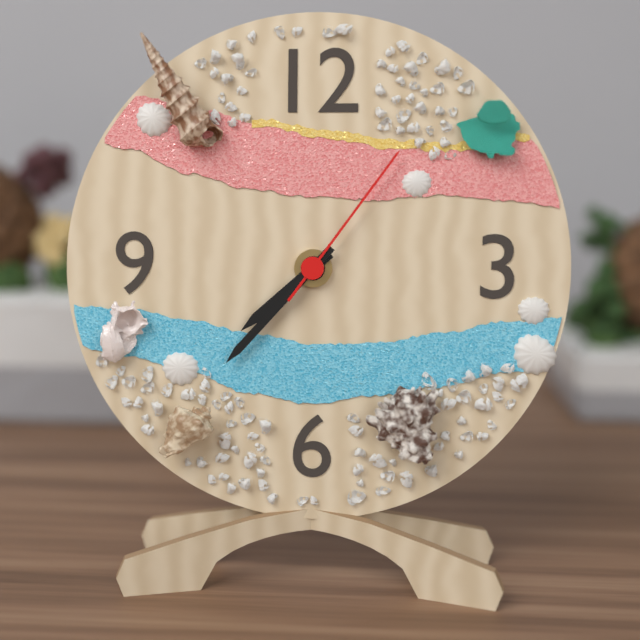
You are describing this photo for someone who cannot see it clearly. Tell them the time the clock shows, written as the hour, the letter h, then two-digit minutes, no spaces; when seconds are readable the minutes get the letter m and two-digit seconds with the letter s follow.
7h37m06s
